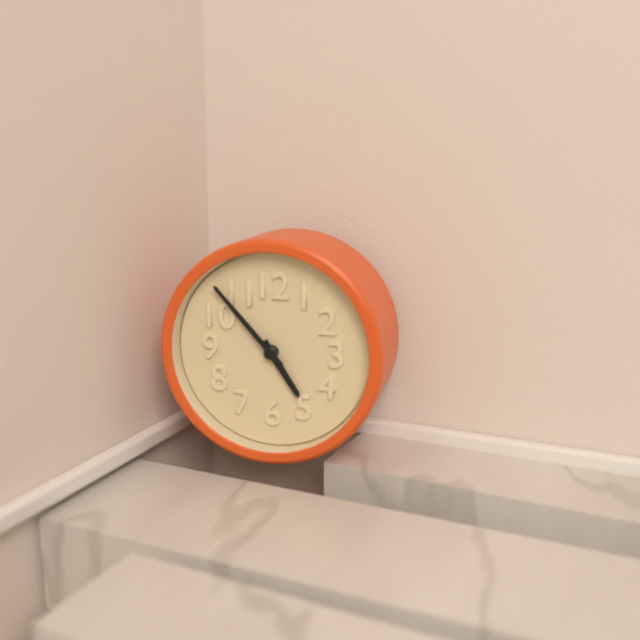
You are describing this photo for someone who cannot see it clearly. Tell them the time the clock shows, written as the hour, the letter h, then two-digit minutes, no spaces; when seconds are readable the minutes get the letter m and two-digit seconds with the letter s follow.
4h53
